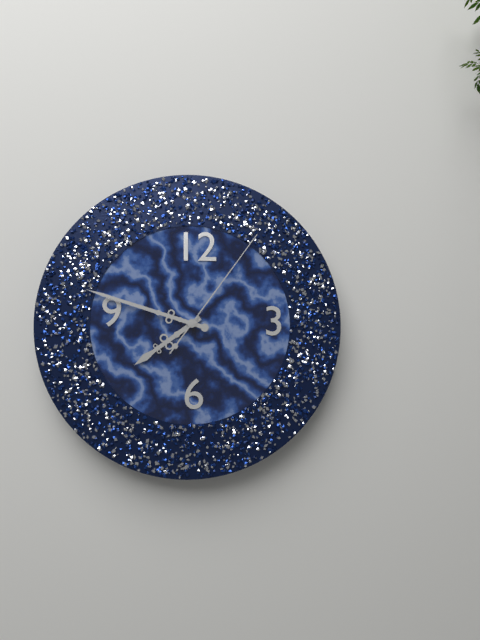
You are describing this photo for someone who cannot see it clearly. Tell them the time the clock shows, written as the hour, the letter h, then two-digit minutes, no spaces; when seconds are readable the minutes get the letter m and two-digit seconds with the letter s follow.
7h48m06s
